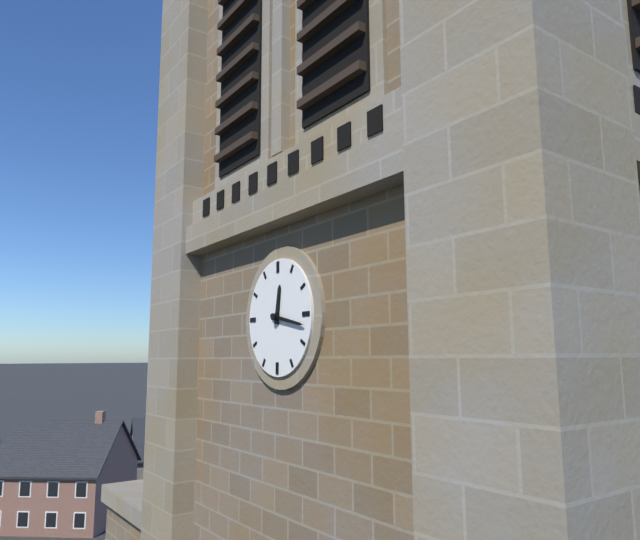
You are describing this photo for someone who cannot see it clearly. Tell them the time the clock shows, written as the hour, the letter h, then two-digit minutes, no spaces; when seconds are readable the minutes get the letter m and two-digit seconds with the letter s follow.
12h17
